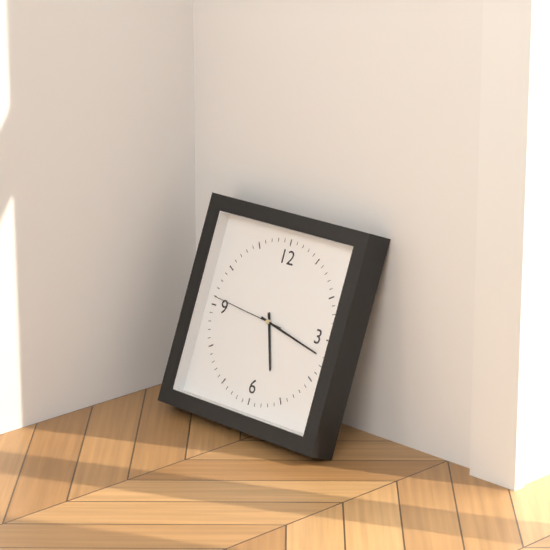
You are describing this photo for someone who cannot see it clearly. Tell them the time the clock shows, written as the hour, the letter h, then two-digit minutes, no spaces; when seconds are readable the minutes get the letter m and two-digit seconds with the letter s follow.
5h17m46s
